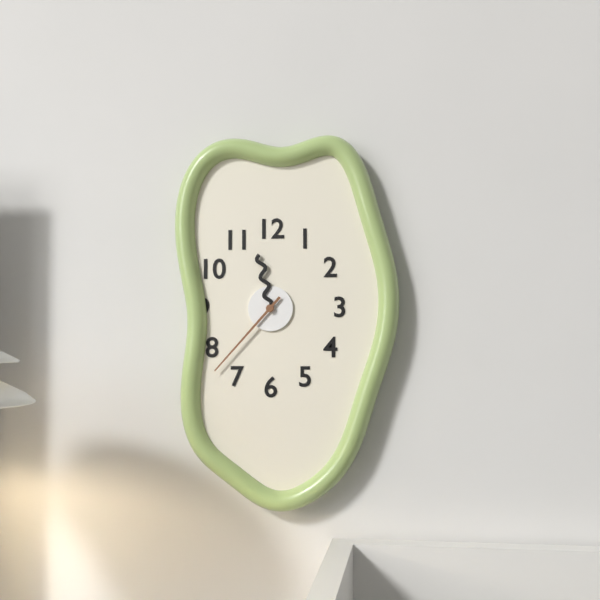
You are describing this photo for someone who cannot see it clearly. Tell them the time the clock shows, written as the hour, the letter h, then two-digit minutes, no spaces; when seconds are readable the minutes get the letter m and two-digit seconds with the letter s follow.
11h37
